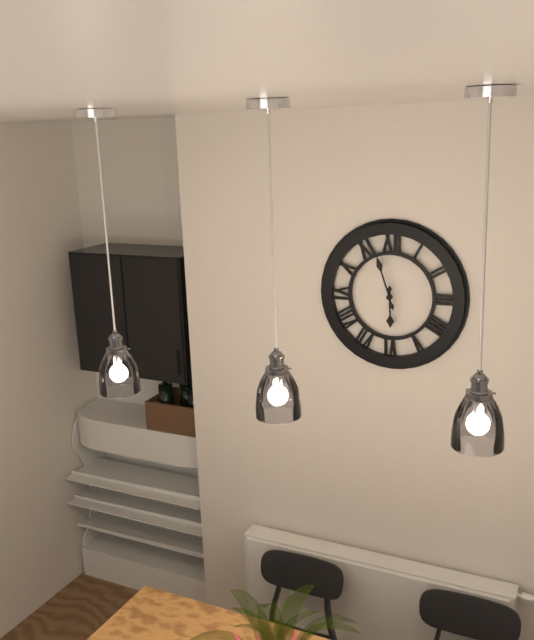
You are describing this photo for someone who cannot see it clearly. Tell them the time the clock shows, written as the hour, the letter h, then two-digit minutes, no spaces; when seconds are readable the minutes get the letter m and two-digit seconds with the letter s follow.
5h57
